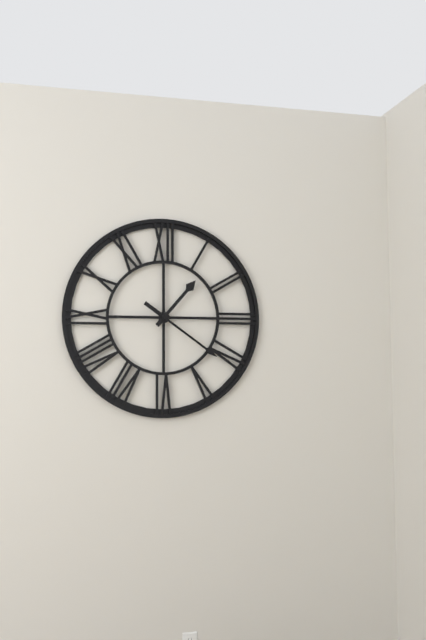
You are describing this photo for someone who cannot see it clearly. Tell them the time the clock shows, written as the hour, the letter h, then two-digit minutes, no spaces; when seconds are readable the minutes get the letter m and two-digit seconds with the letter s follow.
1h21
